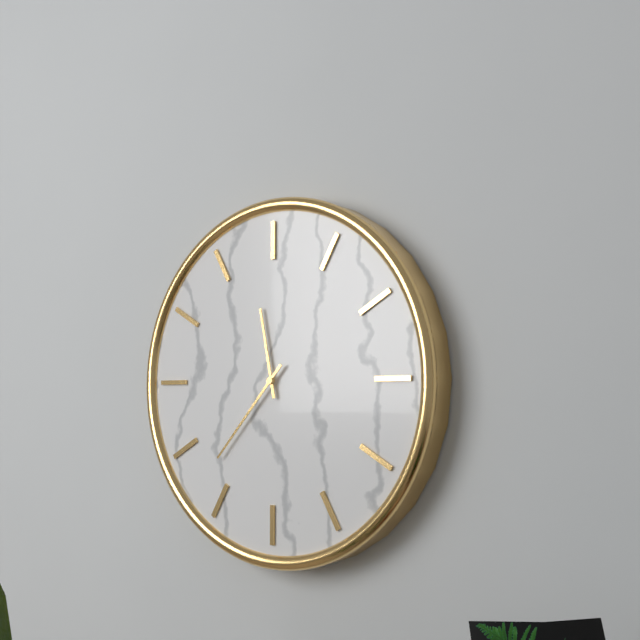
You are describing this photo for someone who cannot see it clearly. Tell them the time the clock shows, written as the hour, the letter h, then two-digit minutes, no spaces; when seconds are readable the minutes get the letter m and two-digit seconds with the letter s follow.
11h37
